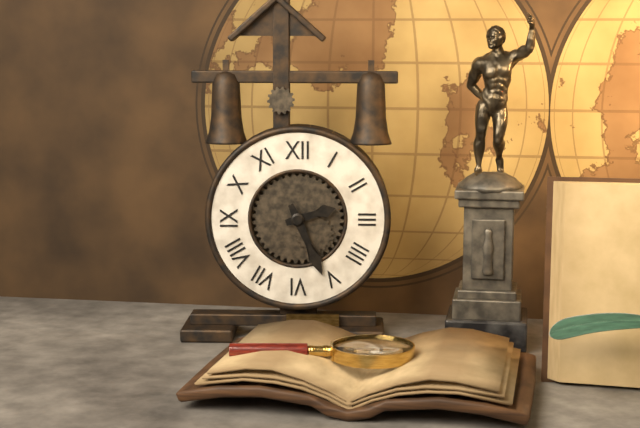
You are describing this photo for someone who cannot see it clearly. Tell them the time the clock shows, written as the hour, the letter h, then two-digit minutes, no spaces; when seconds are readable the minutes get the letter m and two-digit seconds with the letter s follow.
2h26
